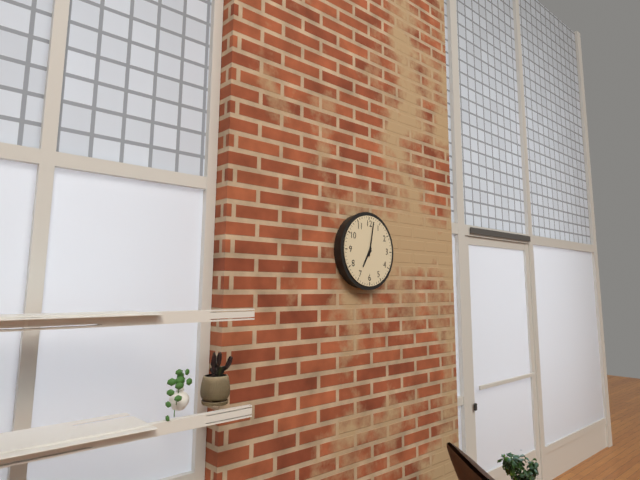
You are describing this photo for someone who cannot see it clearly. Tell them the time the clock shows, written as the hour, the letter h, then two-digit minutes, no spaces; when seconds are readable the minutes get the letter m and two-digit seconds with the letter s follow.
7h02
